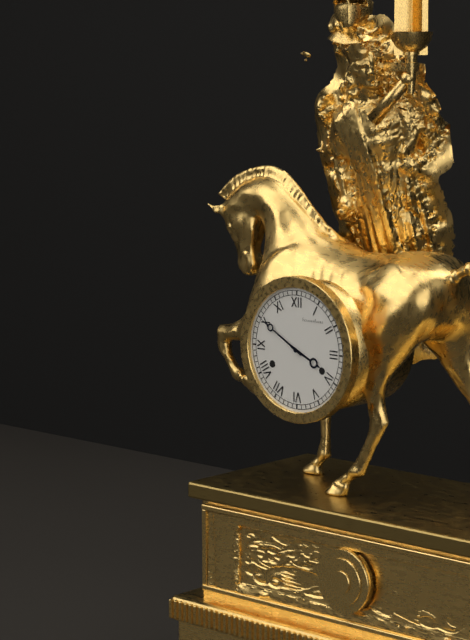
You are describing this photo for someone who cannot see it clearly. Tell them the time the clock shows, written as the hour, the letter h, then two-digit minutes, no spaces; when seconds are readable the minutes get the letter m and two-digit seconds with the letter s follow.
3h50
